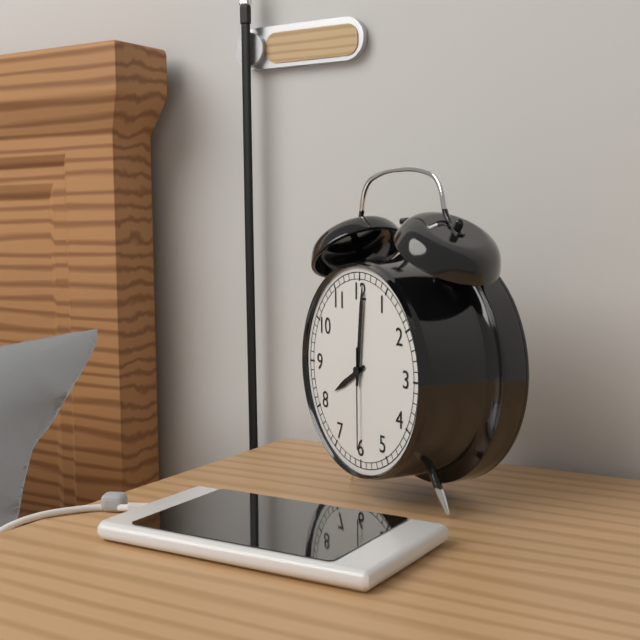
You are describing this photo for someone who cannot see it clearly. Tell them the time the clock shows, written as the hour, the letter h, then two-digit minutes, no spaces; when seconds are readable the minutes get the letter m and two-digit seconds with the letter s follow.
8h01m30s
